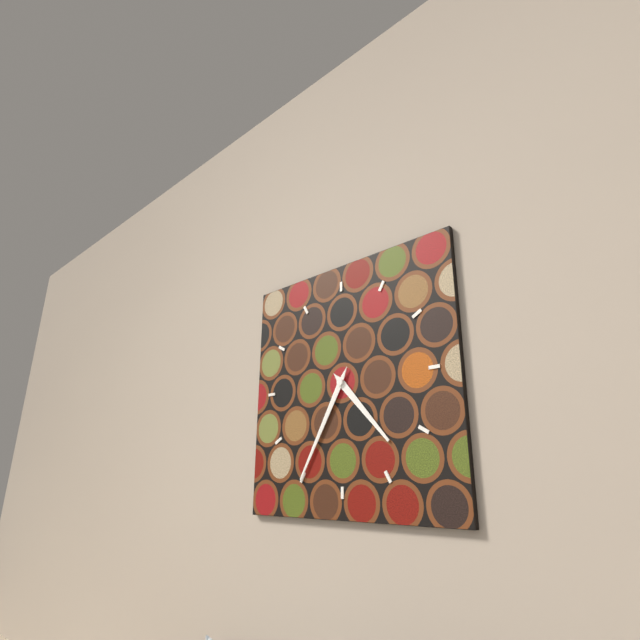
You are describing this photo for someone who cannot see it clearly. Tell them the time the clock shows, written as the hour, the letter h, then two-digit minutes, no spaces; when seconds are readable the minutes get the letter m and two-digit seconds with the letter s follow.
4h35
